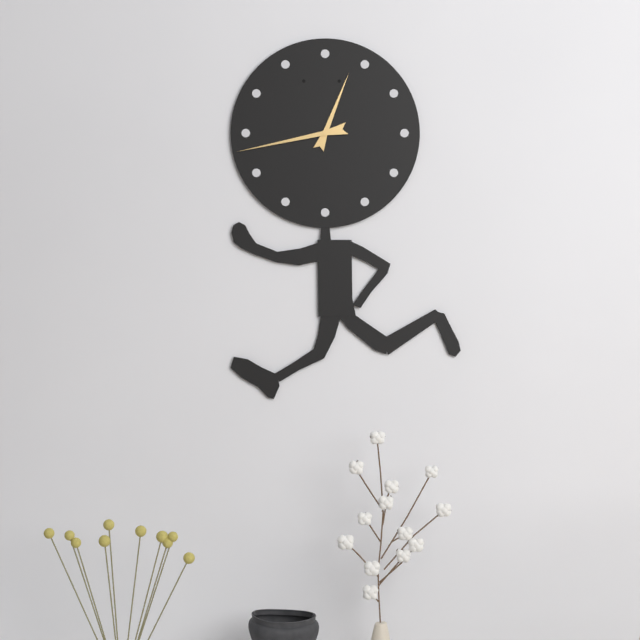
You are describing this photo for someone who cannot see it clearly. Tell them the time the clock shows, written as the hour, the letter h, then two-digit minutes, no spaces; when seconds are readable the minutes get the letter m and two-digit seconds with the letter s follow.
12h43
